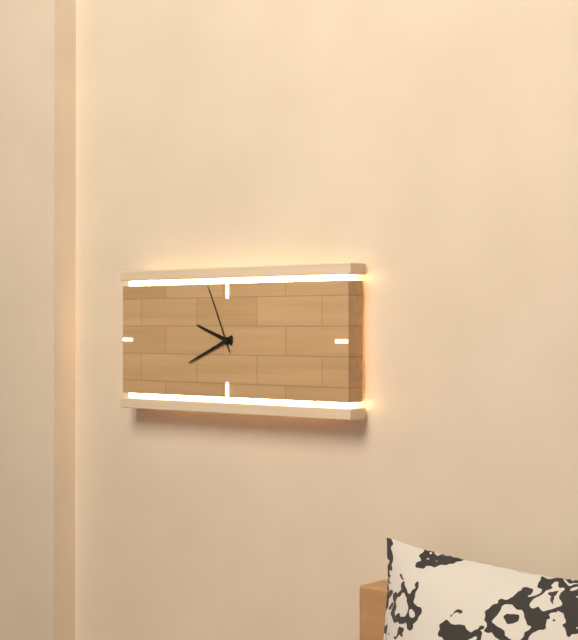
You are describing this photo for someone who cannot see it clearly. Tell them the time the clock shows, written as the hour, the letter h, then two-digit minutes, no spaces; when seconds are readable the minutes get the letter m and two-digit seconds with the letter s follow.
9h41m56s
